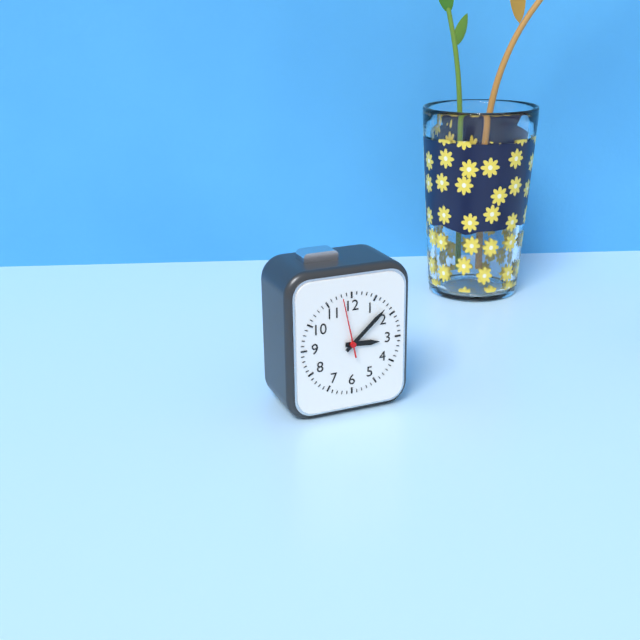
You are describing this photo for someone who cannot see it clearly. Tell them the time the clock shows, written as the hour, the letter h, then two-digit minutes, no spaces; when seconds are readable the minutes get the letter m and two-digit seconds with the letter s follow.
3h08m58s
